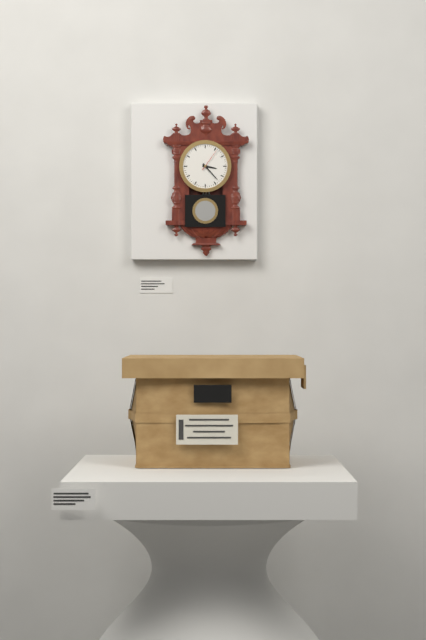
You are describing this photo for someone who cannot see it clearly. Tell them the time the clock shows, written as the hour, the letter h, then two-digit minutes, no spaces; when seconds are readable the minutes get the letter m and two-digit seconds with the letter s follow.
3h23
